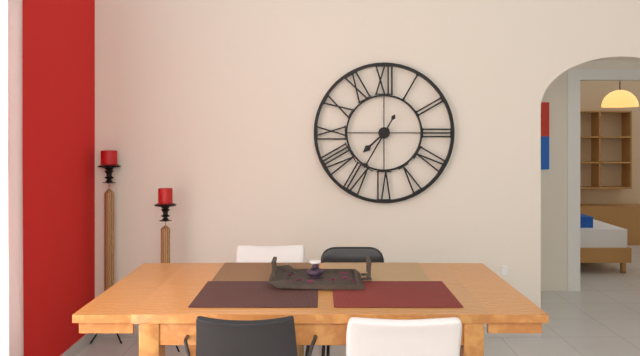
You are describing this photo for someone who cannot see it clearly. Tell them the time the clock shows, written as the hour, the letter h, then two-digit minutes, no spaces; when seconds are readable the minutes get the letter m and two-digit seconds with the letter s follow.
7h35
